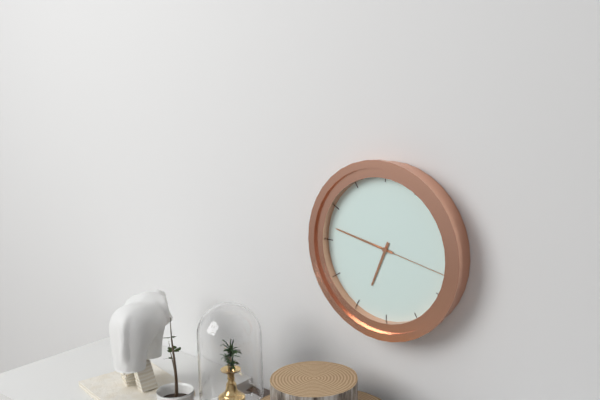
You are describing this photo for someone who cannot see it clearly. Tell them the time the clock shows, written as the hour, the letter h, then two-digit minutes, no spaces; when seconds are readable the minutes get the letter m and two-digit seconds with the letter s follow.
6h47m17s
